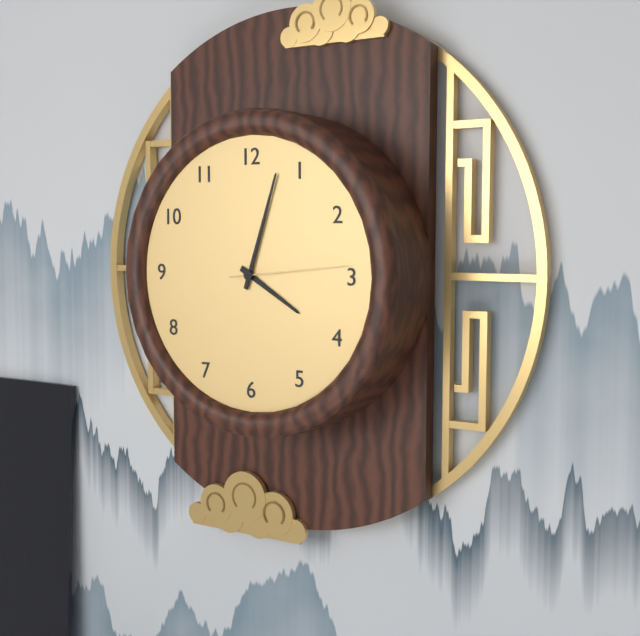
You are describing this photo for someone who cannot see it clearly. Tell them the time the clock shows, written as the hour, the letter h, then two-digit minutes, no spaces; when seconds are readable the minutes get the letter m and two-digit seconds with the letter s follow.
4h03m14s
